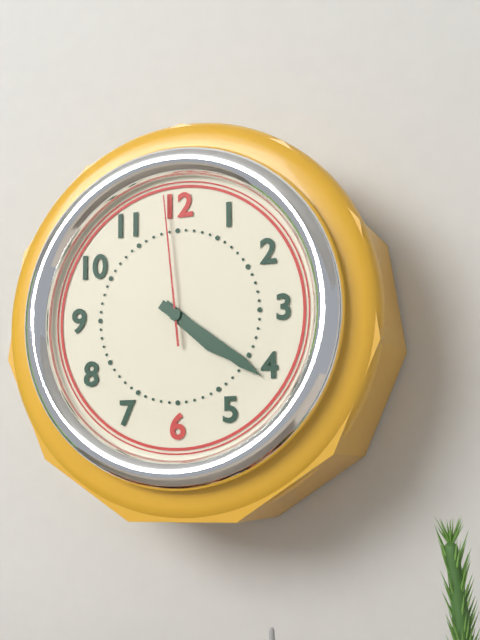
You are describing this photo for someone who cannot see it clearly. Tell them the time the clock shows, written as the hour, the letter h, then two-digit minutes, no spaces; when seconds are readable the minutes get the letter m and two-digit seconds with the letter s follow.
4h21m59s
